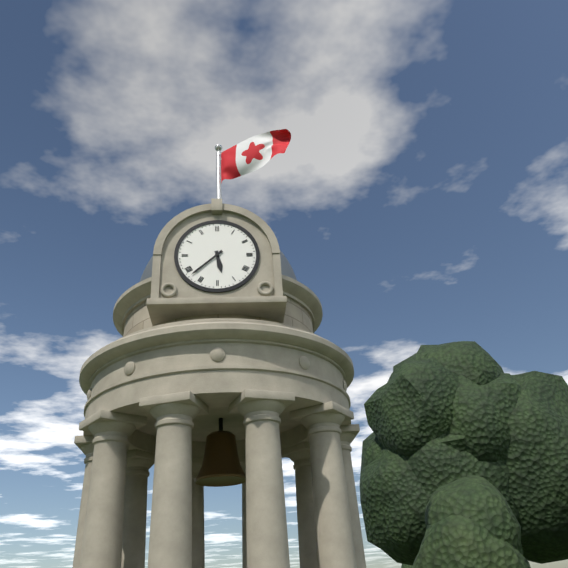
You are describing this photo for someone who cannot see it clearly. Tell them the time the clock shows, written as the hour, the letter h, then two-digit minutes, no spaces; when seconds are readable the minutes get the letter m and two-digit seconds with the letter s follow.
5h38
